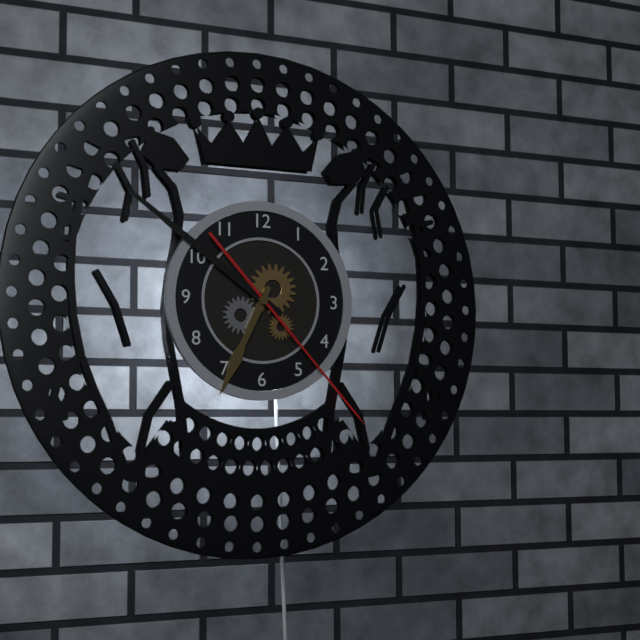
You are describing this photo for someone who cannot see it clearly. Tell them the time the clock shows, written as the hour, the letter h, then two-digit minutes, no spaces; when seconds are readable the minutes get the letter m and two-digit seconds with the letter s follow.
6h51m23s
